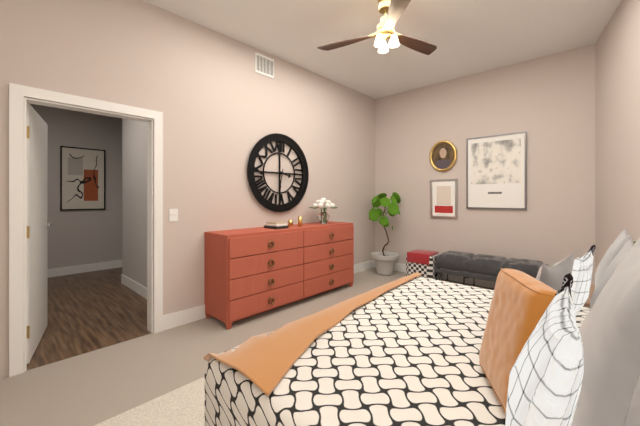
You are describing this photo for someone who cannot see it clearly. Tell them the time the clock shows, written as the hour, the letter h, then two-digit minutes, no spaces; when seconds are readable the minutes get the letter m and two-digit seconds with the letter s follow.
3h32
